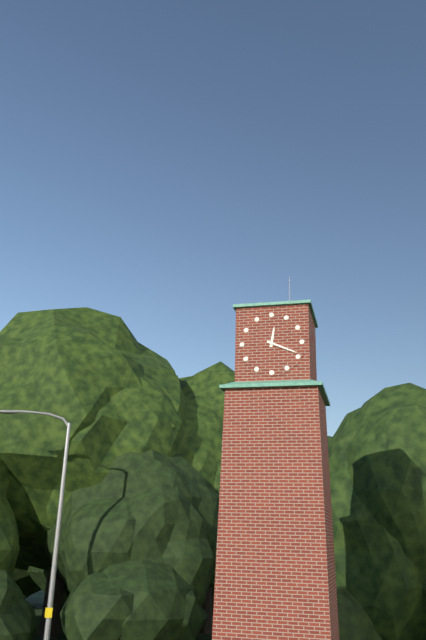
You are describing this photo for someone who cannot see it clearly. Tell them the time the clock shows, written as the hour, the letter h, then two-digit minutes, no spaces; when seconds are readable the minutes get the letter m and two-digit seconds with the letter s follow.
12h19
